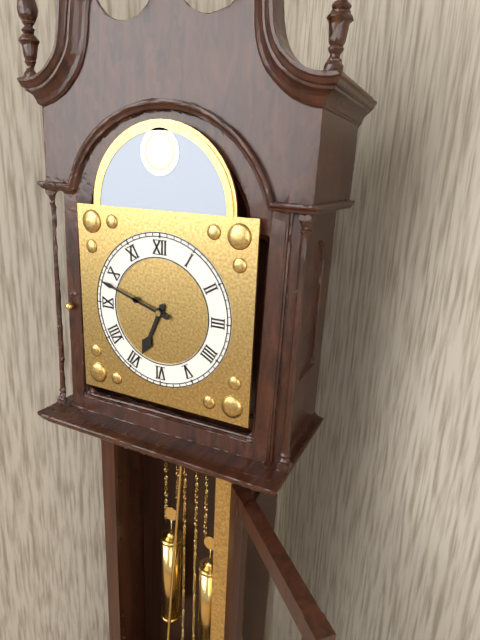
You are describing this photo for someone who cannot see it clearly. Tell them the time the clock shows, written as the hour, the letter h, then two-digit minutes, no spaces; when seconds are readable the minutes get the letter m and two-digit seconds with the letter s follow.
6h48
